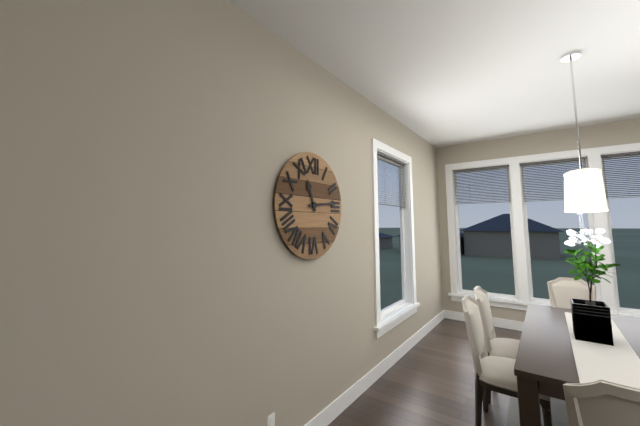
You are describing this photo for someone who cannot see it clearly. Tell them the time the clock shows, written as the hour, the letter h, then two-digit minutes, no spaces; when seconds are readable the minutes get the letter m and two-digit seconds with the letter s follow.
11h14
